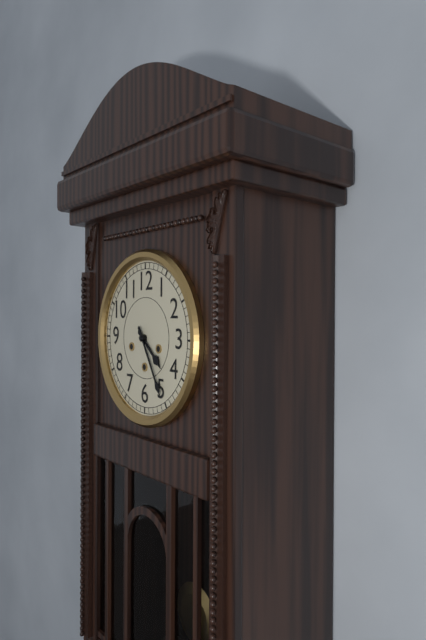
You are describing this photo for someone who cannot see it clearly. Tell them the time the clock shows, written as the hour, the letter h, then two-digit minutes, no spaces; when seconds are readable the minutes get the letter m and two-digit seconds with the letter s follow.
4h25
